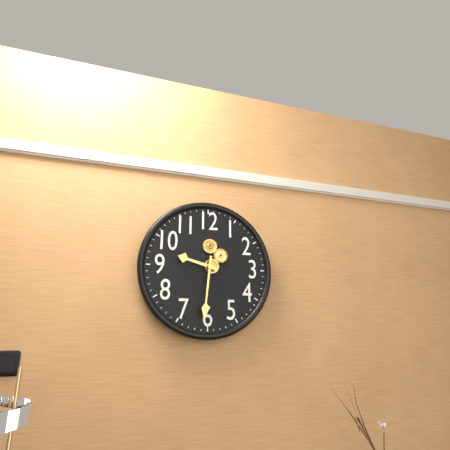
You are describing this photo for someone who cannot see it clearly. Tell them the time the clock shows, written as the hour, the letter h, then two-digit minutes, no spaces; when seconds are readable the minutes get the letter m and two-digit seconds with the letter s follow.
9h31
